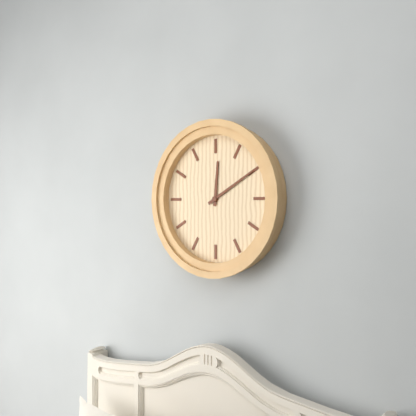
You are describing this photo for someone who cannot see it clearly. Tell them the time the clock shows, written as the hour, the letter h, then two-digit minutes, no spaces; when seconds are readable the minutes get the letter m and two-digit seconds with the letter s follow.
12h10
